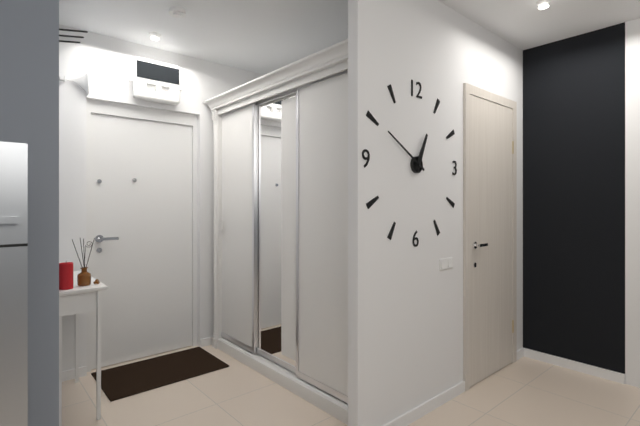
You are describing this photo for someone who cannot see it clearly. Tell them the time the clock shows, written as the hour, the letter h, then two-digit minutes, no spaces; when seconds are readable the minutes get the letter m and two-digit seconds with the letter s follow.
12h50
